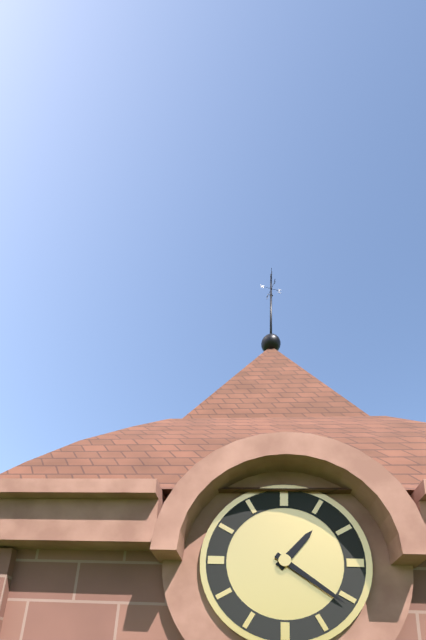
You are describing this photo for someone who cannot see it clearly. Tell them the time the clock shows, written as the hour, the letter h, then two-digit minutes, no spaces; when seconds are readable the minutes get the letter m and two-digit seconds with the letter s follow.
1h21
